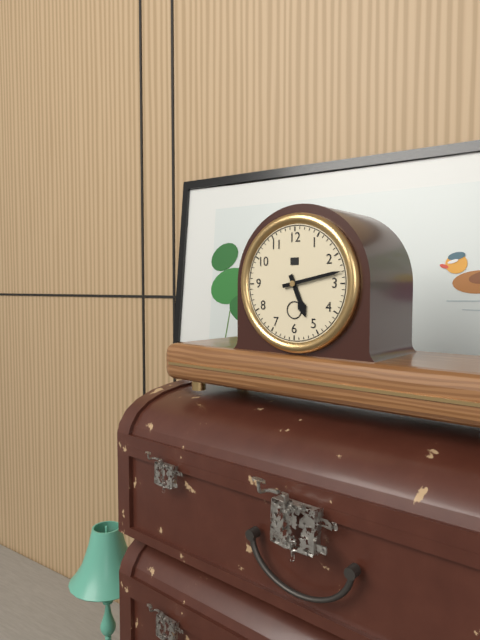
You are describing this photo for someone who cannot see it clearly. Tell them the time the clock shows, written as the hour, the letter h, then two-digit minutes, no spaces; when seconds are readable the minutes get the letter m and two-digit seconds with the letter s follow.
5h13
